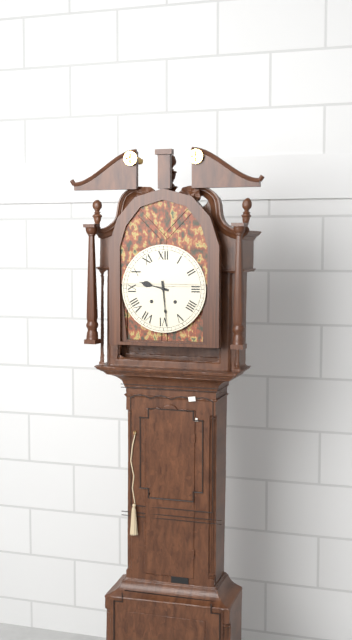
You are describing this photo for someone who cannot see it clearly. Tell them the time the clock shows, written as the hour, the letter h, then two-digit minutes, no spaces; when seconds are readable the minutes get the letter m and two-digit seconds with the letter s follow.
9h29
